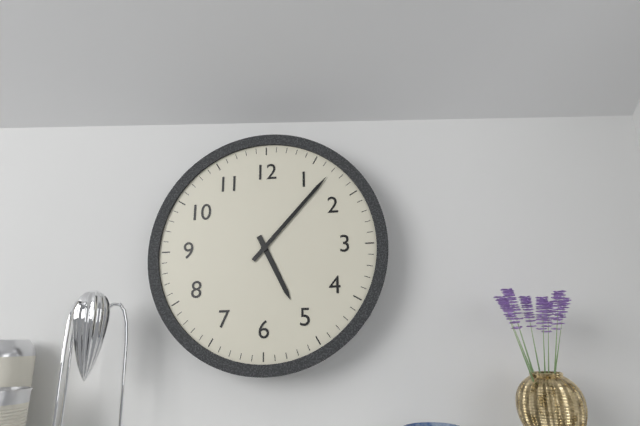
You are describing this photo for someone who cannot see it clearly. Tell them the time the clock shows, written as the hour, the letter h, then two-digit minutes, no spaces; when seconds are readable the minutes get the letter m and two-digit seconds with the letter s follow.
5h07
